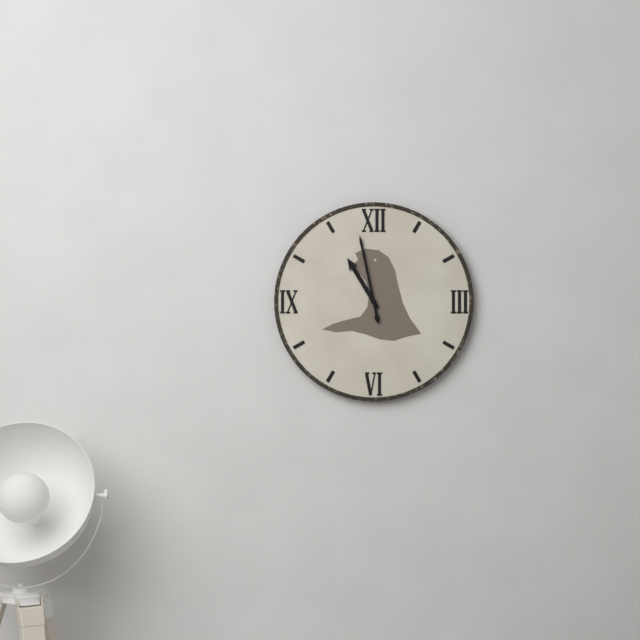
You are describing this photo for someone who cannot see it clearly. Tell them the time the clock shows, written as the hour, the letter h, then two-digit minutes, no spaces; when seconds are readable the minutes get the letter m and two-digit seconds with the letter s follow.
10h58
